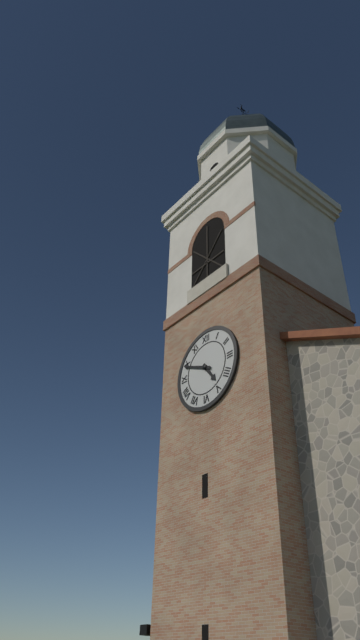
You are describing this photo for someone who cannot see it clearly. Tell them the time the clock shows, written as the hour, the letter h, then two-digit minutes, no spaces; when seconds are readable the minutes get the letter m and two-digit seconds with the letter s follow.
4h49
